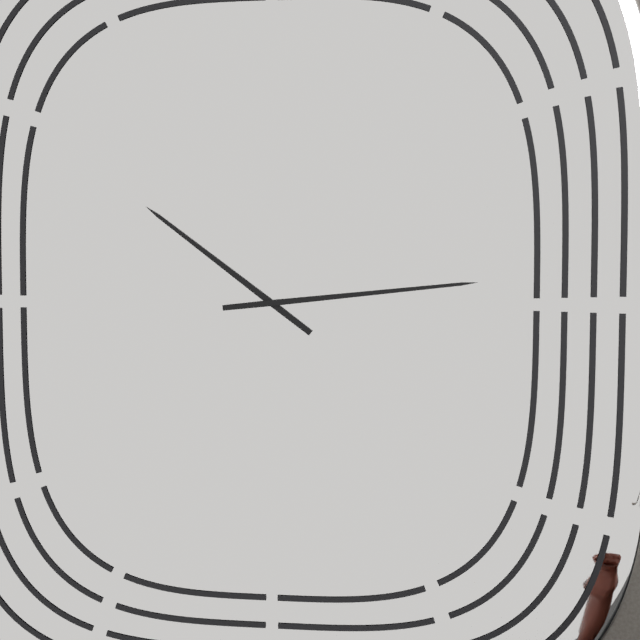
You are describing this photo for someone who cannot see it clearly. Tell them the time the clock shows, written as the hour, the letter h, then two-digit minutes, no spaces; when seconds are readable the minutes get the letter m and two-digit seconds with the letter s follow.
10h14
